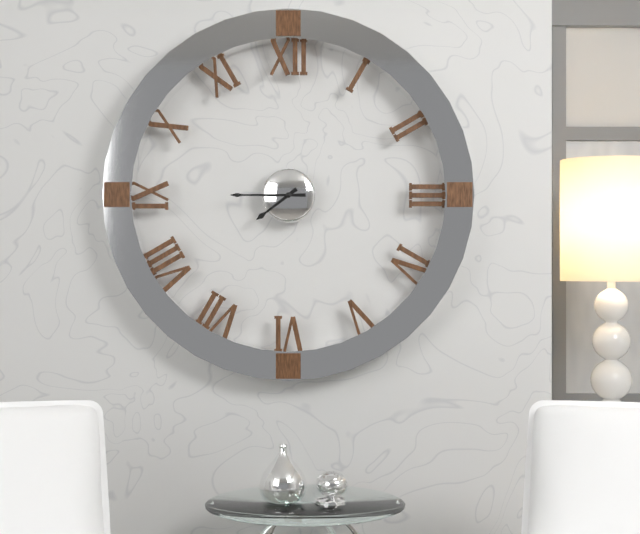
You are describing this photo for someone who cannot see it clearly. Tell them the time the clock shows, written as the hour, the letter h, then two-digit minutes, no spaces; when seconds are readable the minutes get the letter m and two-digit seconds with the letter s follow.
7h45
